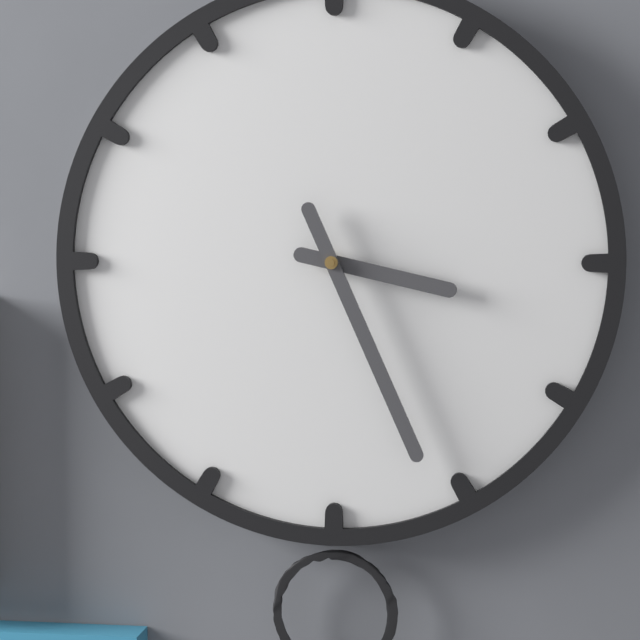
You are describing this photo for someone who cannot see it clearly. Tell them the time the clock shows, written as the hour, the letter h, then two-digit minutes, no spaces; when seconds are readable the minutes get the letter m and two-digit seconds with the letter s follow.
3h26
